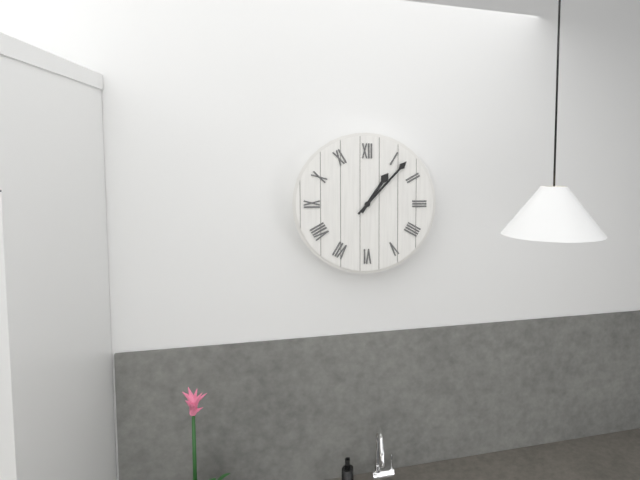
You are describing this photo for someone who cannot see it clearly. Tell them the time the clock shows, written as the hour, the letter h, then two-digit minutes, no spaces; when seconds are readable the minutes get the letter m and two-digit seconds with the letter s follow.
1h07
